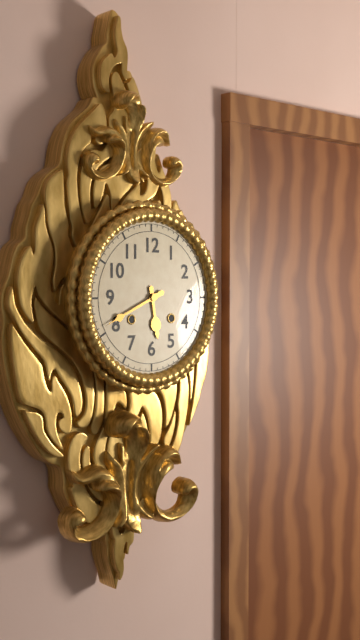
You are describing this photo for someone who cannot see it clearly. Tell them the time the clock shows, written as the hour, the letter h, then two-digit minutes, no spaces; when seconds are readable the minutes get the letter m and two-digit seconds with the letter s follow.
5h41
